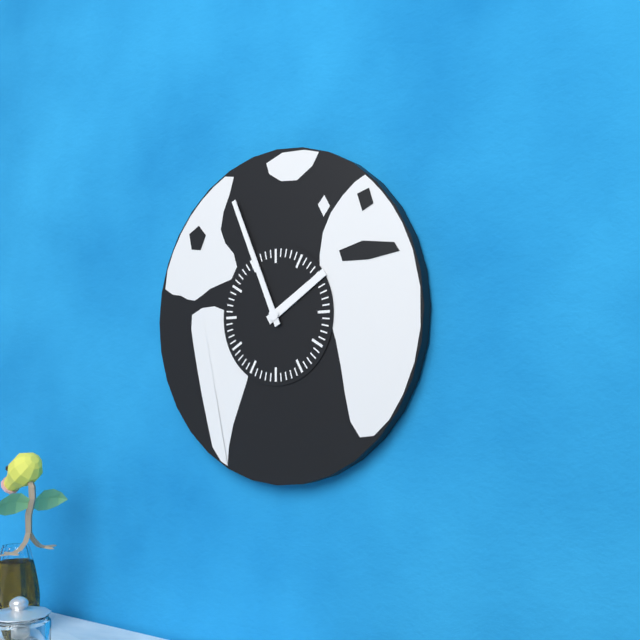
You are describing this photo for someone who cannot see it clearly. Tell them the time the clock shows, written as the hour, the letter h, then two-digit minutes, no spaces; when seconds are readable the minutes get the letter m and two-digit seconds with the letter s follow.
1h56
